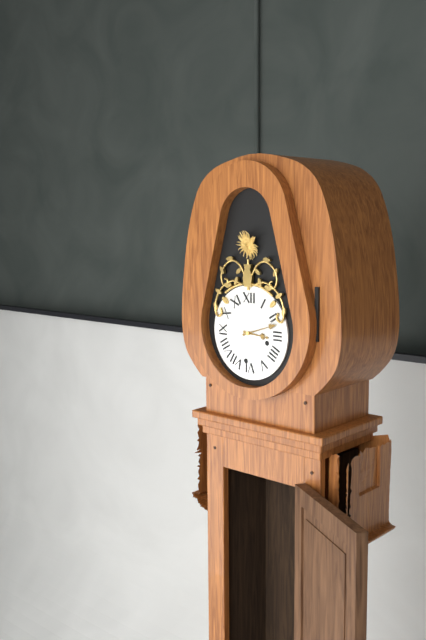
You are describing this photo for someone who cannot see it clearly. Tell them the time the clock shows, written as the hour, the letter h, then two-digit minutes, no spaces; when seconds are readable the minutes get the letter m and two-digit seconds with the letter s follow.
3h12
